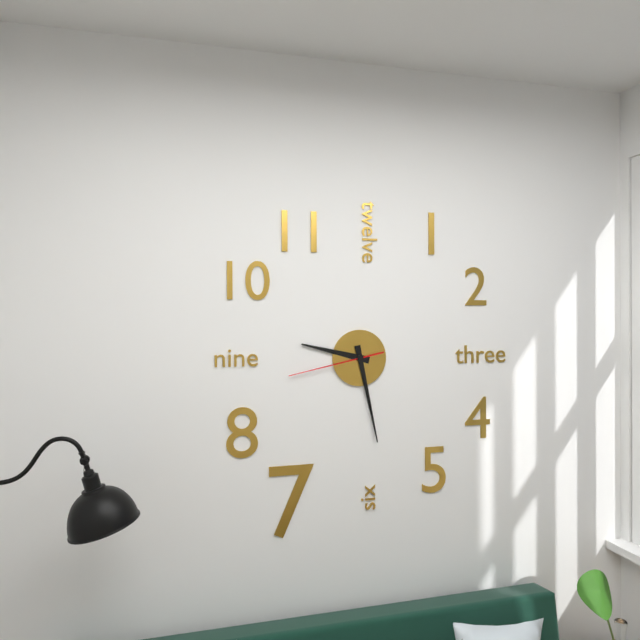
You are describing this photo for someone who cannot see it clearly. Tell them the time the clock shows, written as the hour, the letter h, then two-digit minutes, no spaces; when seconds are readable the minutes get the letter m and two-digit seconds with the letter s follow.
9h28m43s
